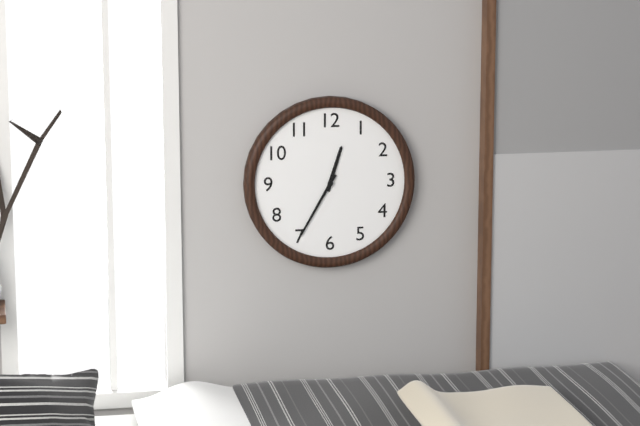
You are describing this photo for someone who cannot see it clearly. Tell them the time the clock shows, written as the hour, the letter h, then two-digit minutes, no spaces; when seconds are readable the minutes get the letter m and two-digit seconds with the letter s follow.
12h35
